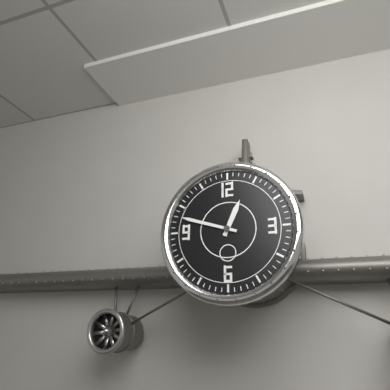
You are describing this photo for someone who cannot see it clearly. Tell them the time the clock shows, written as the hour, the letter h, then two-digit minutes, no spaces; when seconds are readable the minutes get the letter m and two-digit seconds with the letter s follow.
12h48
